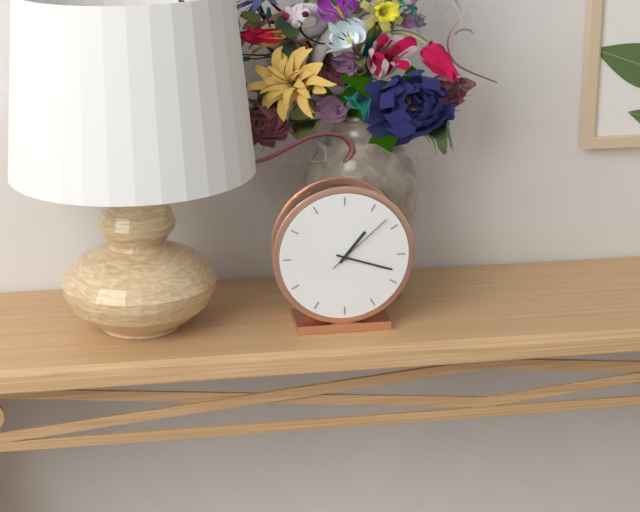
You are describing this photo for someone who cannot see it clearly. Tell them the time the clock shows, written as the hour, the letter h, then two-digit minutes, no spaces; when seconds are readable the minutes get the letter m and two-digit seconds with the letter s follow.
1h18m08s
